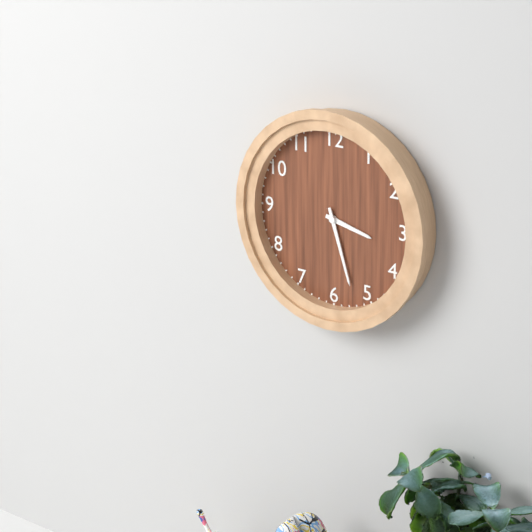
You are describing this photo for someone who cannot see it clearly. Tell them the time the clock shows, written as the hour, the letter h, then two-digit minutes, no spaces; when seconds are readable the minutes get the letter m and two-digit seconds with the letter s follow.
3h27
